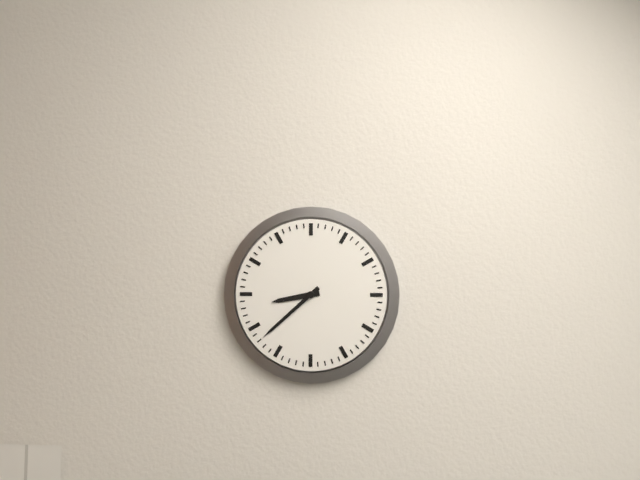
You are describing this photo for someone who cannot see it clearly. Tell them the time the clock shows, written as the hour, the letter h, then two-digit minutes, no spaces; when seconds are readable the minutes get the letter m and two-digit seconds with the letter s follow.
8h38
